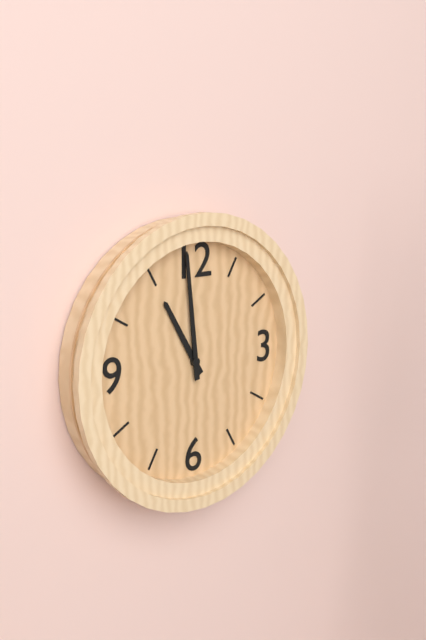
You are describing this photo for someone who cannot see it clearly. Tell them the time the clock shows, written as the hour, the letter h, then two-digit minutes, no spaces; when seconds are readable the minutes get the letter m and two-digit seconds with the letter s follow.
10h59
